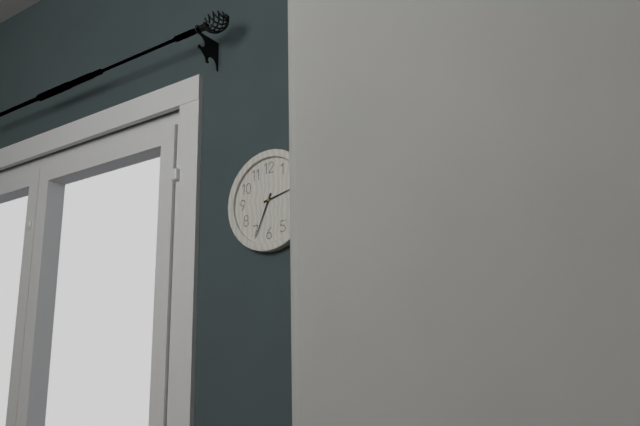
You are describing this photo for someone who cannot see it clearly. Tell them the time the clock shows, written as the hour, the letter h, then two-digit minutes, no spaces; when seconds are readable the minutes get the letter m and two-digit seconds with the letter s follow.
2h34
